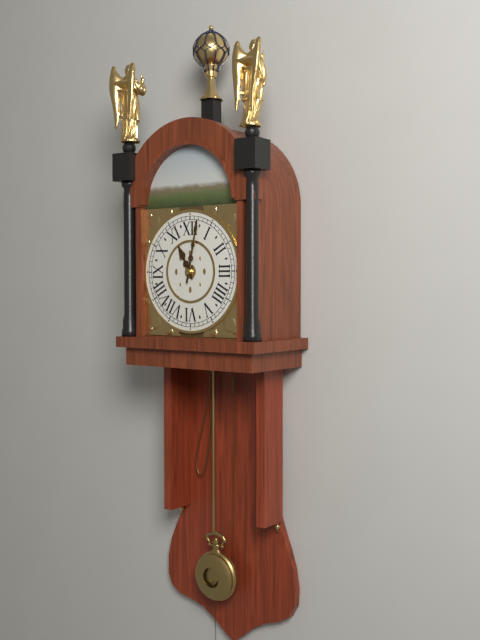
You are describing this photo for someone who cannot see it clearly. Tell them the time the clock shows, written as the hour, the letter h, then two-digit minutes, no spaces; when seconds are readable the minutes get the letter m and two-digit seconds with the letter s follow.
11h02
